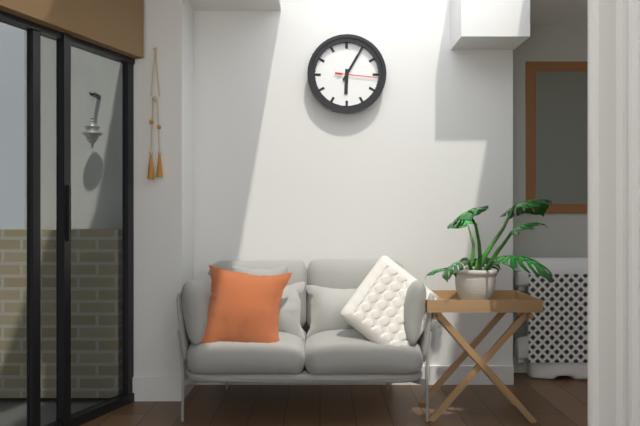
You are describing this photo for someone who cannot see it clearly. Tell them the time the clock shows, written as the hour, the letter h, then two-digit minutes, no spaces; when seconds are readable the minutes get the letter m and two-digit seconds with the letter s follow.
6h05
